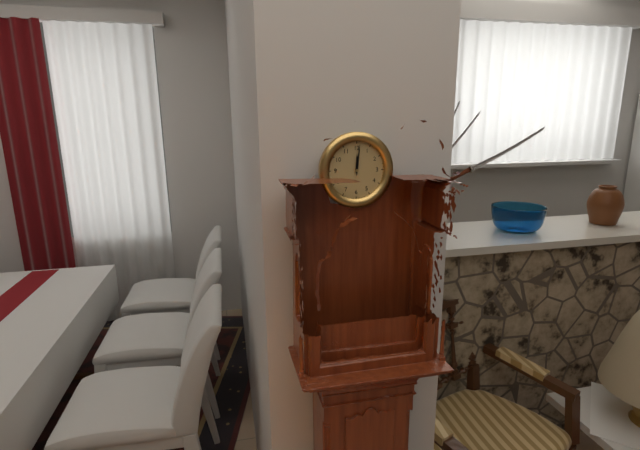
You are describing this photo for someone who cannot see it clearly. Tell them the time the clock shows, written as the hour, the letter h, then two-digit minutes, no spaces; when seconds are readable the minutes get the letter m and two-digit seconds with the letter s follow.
12h01
